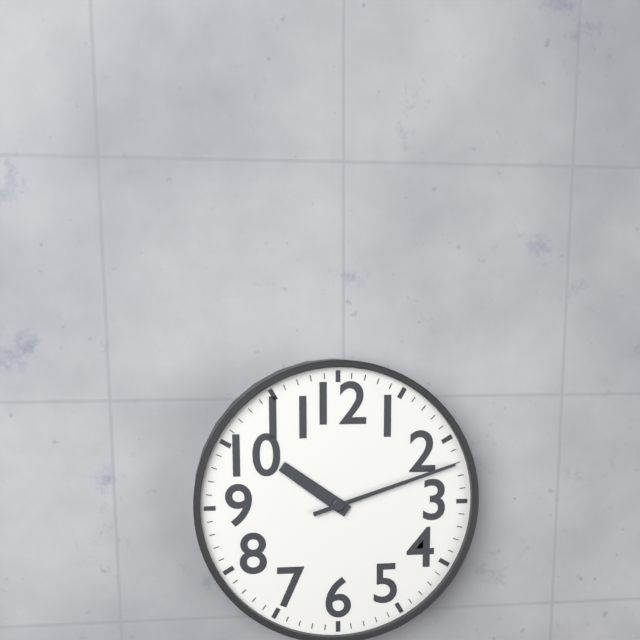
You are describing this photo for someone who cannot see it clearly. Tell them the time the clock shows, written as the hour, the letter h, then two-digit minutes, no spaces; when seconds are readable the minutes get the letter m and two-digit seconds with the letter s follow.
10h12
